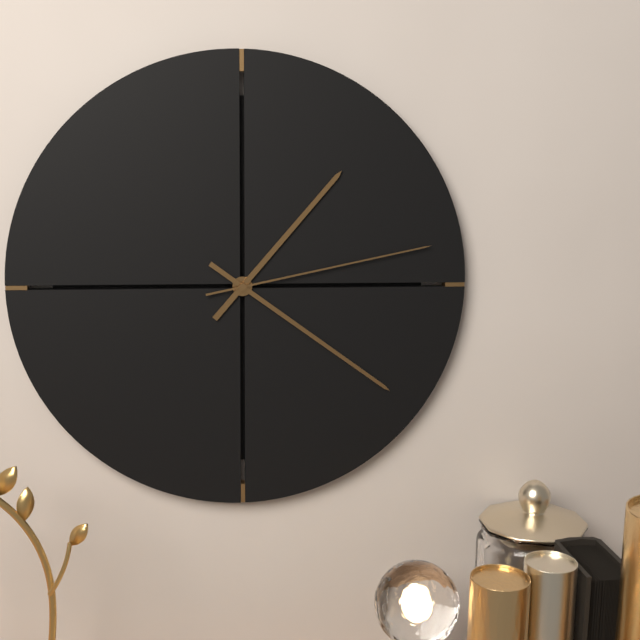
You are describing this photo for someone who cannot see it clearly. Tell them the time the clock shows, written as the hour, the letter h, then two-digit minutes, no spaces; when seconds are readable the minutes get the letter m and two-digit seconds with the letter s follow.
1h21m13s
